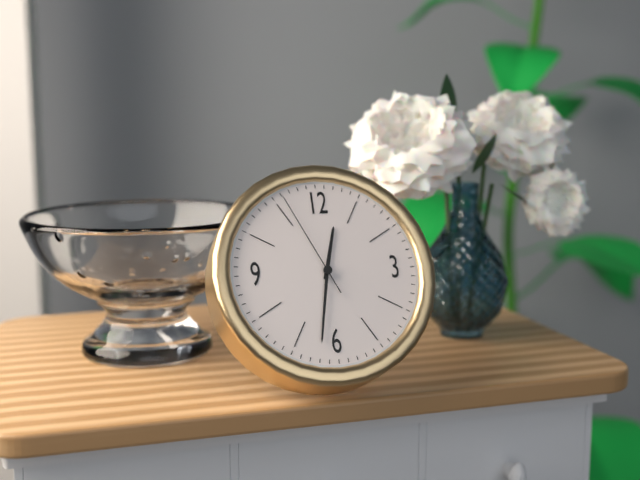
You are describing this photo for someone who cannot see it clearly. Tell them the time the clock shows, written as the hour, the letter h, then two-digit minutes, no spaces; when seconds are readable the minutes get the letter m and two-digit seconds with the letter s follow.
12h32m56s
